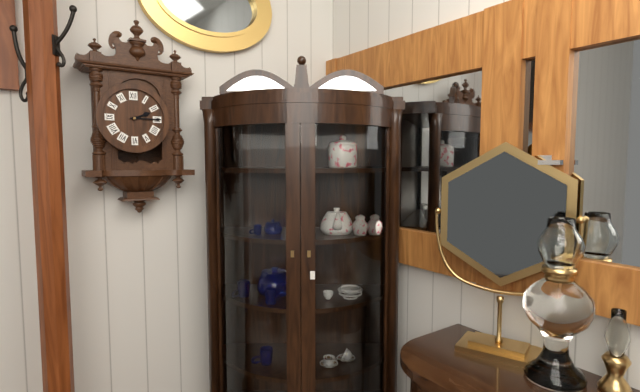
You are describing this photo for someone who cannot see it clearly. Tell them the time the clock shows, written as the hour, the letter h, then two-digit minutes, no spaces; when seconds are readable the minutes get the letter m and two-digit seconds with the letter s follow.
2h15
